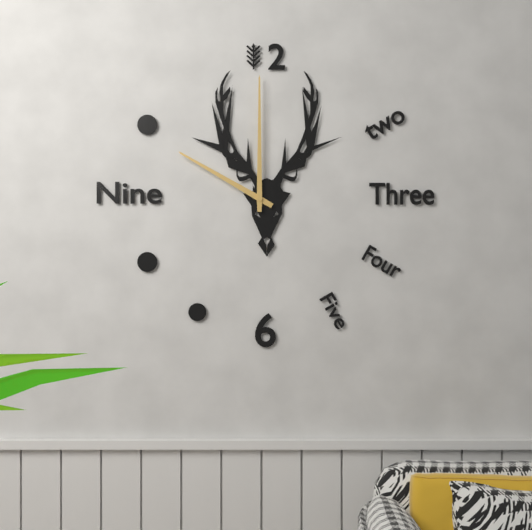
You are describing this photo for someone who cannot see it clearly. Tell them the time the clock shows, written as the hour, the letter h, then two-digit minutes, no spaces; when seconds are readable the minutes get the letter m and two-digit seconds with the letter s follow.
10h00
